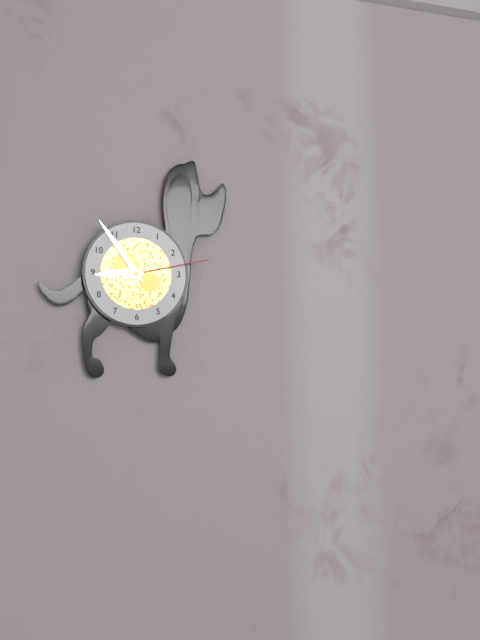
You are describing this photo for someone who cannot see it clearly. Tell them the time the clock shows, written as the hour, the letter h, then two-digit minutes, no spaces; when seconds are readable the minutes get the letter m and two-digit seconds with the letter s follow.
8h54m13s
